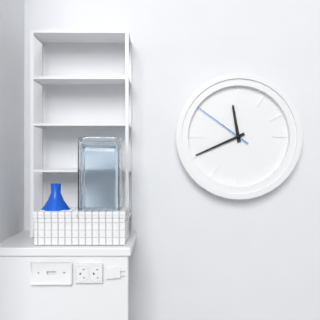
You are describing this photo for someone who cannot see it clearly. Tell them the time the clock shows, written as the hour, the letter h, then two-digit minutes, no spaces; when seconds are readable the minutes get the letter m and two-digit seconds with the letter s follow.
11h41m51s
